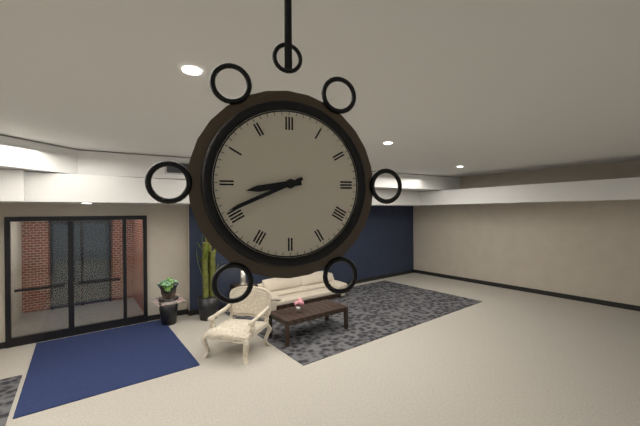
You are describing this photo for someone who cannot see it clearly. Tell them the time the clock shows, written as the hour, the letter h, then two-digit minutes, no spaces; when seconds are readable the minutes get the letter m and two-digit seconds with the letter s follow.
8h41
